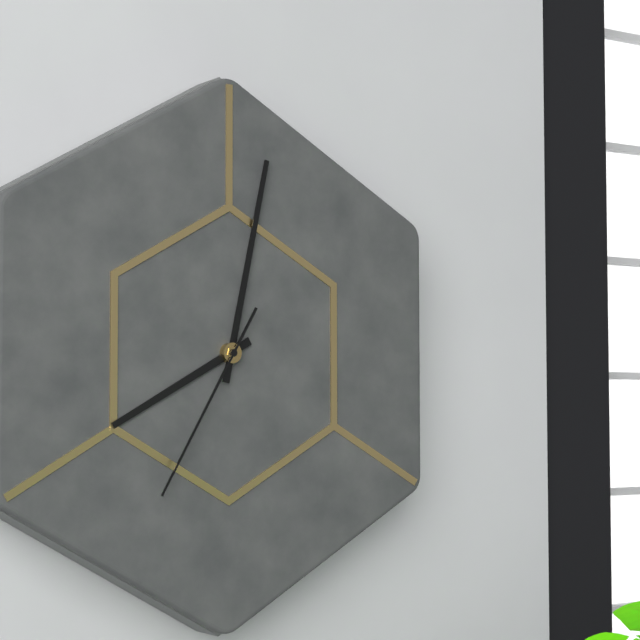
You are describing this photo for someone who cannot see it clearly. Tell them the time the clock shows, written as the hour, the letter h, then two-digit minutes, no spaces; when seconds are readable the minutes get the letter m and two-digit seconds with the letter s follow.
8h02m35s
